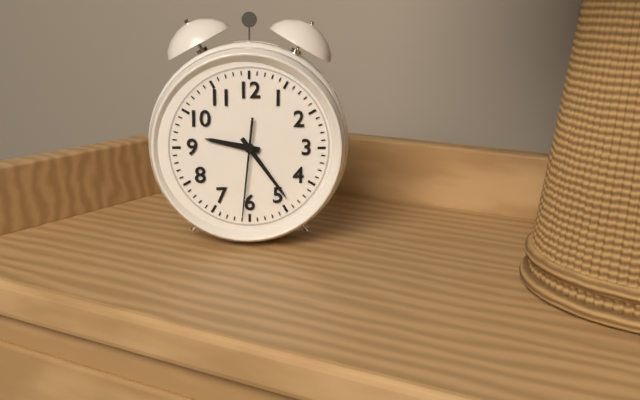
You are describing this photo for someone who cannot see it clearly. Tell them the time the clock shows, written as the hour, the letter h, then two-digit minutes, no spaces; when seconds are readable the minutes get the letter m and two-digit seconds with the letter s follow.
9h24m31s
